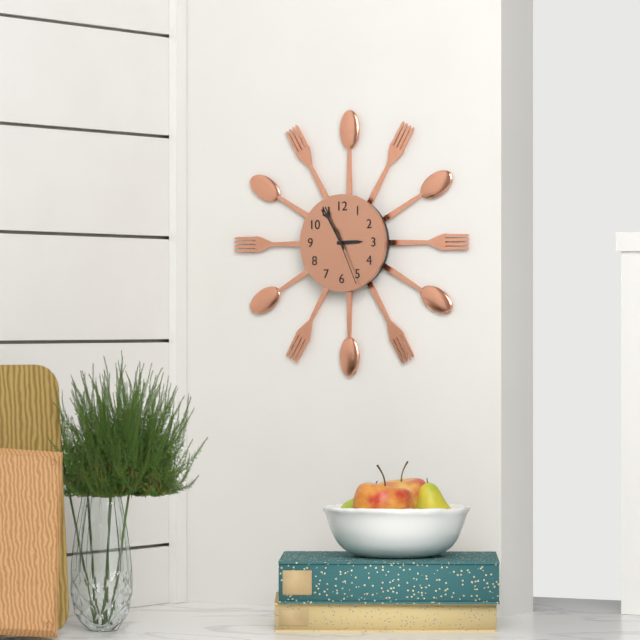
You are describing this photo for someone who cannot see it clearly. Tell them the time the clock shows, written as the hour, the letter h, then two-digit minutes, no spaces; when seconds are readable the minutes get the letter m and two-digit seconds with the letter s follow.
2h55m26s
